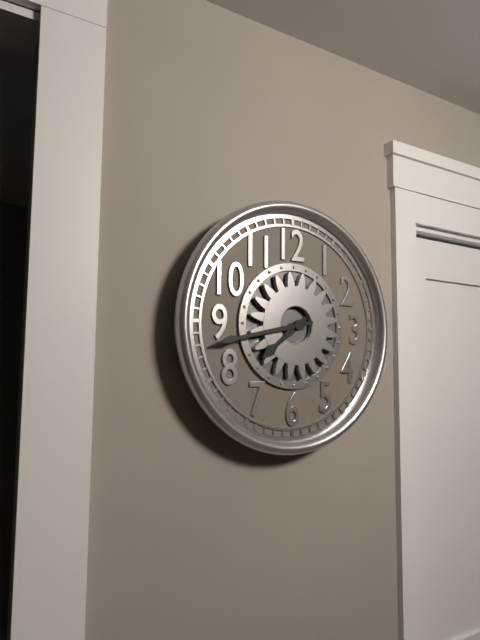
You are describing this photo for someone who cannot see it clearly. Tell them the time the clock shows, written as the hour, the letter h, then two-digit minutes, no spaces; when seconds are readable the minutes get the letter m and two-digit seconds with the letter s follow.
7h43
